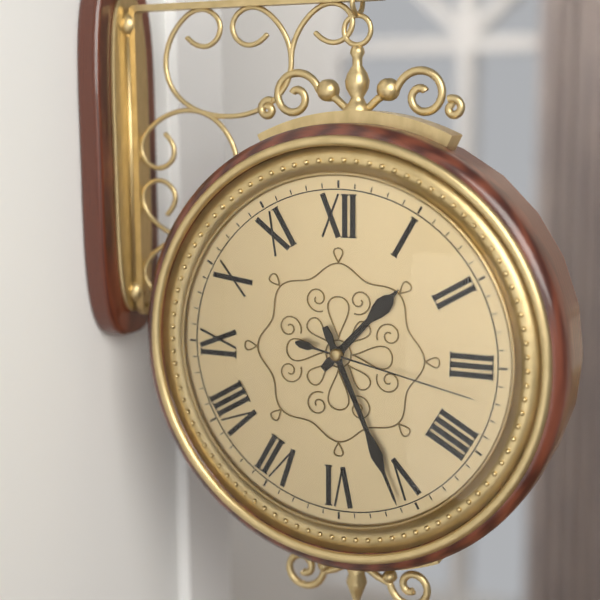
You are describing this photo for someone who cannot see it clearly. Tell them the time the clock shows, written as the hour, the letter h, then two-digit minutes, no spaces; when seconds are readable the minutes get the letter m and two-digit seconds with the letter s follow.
1h26m17s
